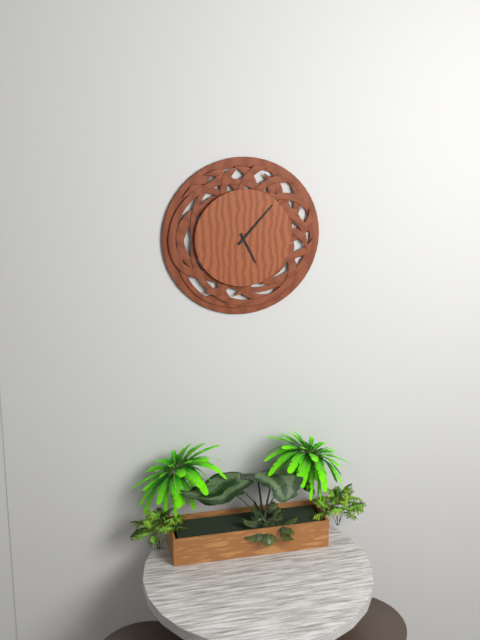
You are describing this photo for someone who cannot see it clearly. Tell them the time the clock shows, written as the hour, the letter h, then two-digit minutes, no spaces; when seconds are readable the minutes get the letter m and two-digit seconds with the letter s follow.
5h07
